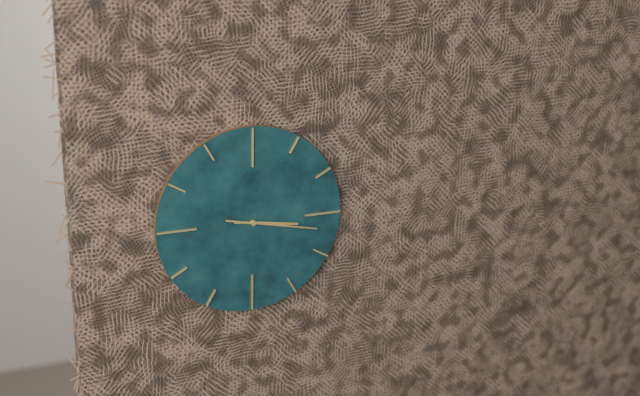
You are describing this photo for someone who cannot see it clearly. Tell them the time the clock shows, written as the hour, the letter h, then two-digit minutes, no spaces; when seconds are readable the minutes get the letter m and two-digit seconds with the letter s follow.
3h17
